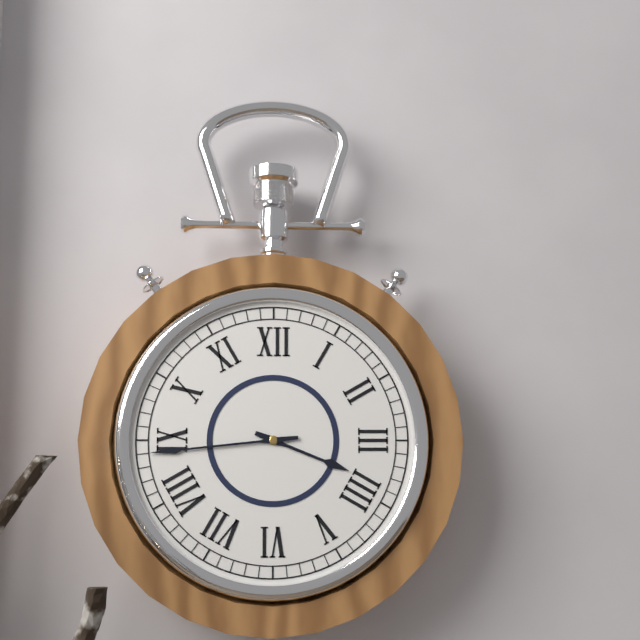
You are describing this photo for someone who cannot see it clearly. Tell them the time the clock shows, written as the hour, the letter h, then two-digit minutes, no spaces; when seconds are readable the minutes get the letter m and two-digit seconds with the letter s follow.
3h44
